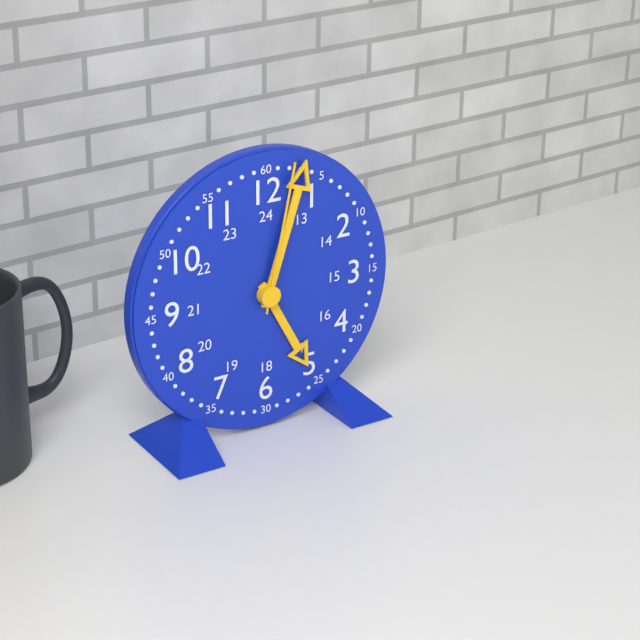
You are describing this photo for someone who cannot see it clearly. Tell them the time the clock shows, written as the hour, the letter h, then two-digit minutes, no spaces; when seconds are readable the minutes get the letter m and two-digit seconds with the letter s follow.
5h03m02s
